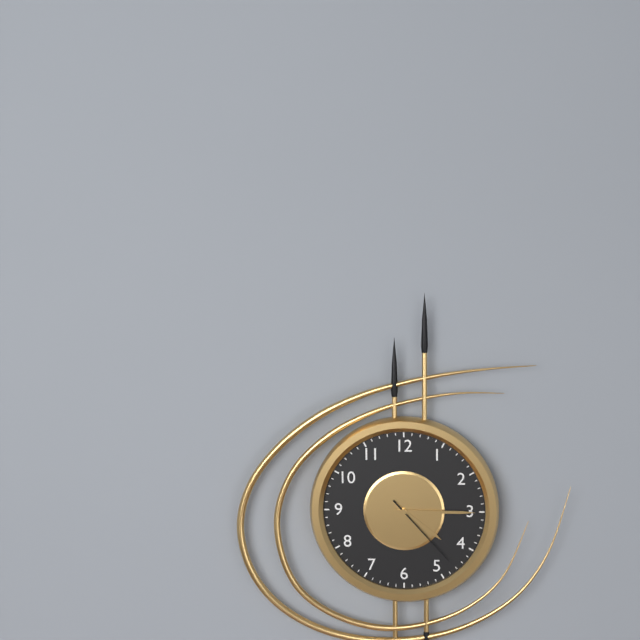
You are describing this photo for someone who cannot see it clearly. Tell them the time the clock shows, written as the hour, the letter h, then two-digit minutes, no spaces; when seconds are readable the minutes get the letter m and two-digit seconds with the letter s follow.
4h15m23s
